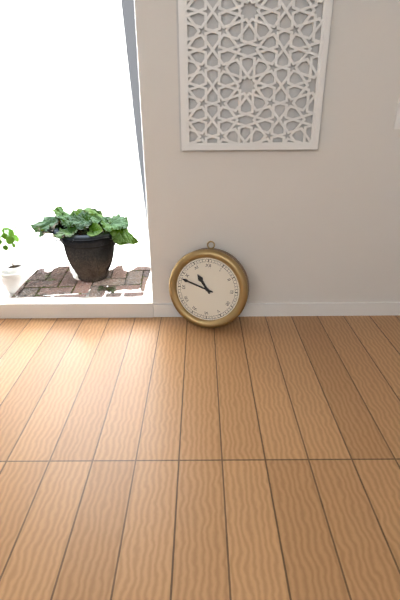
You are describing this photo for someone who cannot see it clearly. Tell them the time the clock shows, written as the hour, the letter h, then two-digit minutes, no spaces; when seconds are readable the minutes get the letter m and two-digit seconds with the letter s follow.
10h48
